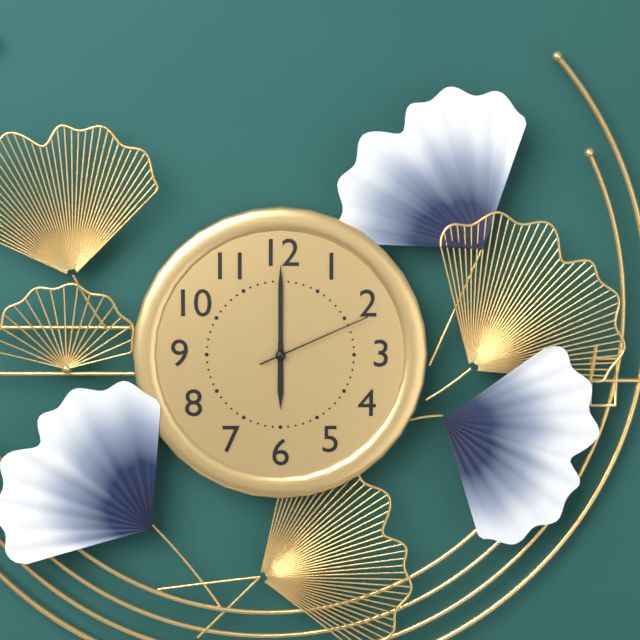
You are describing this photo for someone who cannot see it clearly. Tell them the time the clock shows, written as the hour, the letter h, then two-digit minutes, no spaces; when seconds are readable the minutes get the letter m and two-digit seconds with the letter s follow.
6h00m11s
